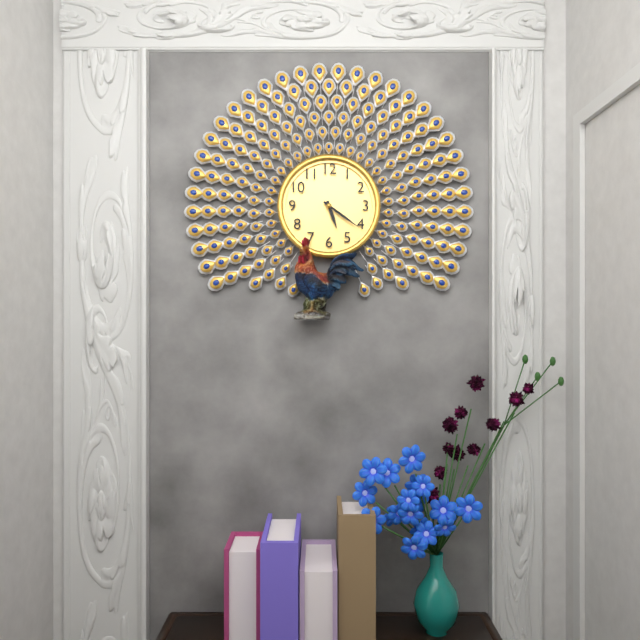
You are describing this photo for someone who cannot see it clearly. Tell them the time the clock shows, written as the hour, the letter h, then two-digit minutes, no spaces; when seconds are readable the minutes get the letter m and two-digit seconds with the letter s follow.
5h21
